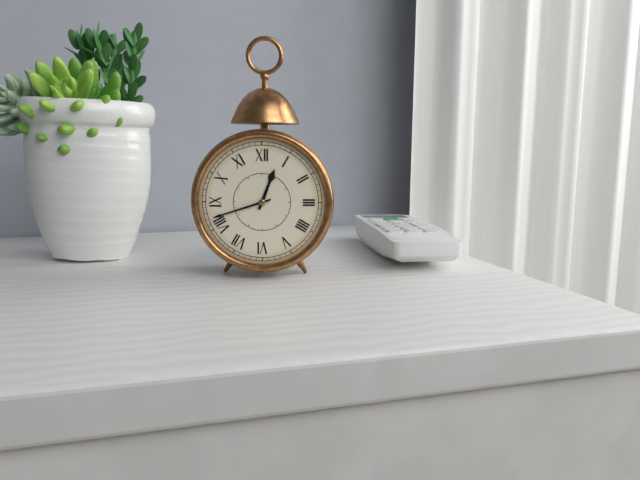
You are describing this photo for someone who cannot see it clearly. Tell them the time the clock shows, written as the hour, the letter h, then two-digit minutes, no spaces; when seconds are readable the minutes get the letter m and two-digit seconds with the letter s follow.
12h42
